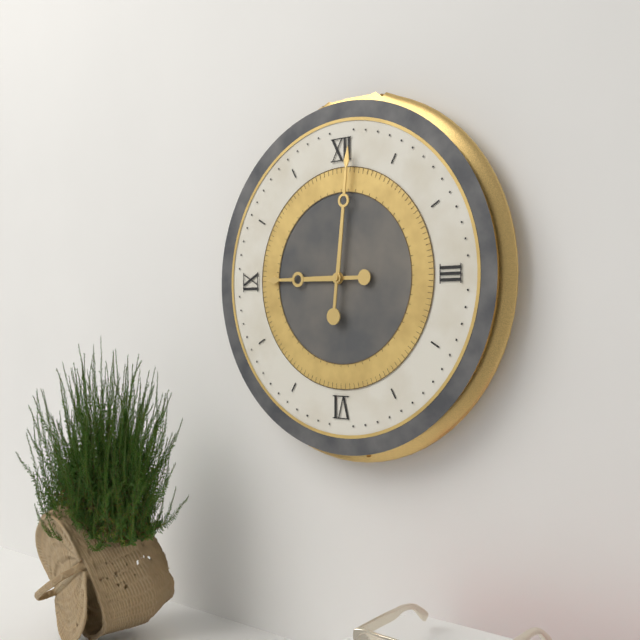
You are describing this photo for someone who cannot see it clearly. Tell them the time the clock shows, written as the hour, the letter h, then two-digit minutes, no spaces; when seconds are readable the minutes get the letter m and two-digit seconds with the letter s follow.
9h01
